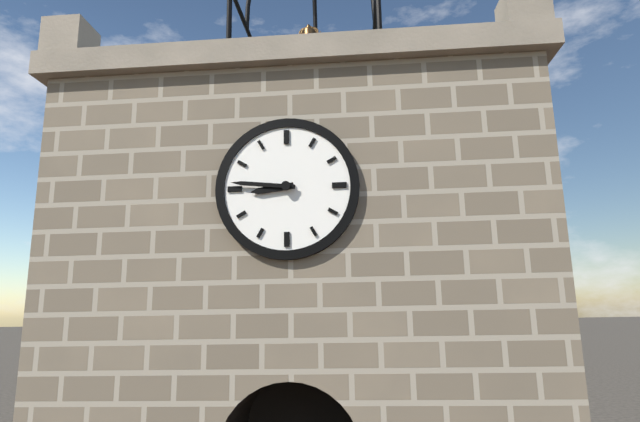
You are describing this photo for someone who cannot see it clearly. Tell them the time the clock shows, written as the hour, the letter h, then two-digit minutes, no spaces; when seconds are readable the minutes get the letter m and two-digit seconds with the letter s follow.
8h46
